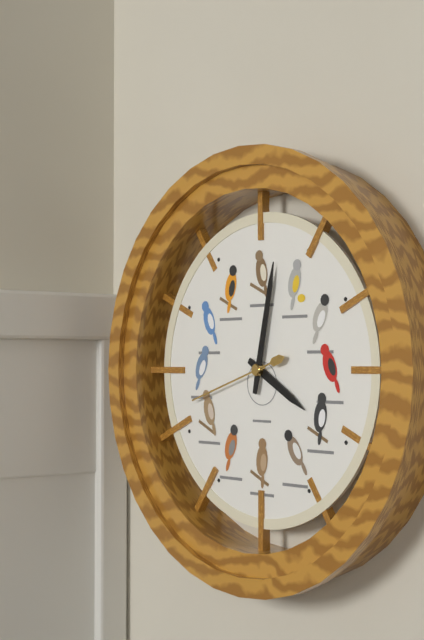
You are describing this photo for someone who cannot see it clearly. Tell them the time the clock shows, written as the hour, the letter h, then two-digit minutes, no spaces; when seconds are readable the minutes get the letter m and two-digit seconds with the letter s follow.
4h02m42s
